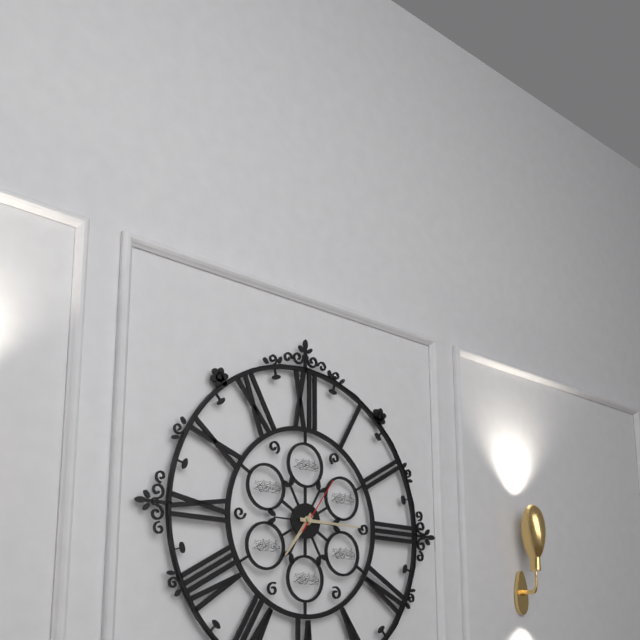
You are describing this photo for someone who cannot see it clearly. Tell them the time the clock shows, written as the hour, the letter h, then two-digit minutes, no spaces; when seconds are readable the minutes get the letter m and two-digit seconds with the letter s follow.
7h15m06s
